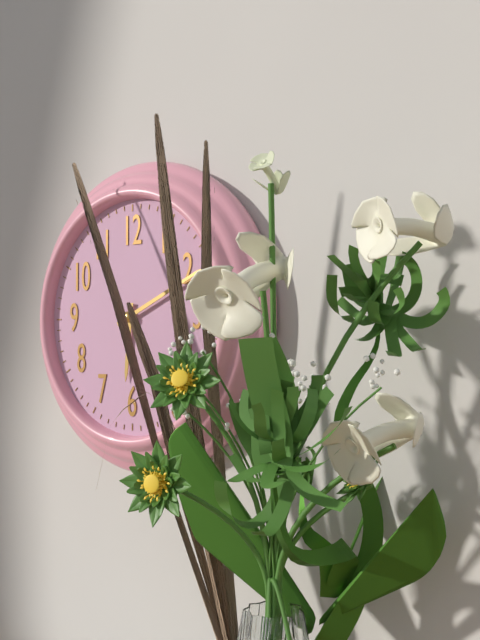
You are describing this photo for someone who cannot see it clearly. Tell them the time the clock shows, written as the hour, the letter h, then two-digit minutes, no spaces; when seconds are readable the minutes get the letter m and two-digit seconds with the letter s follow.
6h11
